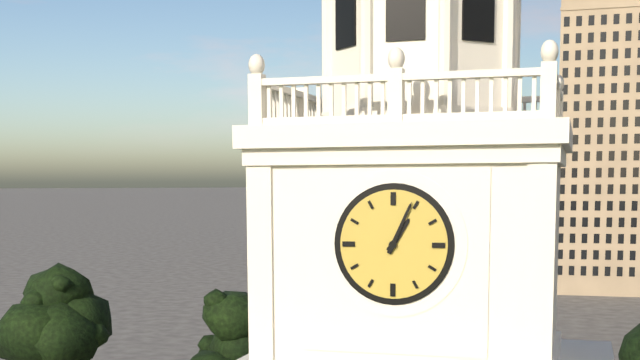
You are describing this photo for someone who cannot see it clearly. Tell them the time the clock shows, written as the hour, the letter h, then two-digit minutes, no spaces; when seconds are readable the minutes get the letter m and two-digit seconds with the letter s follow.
1h04
